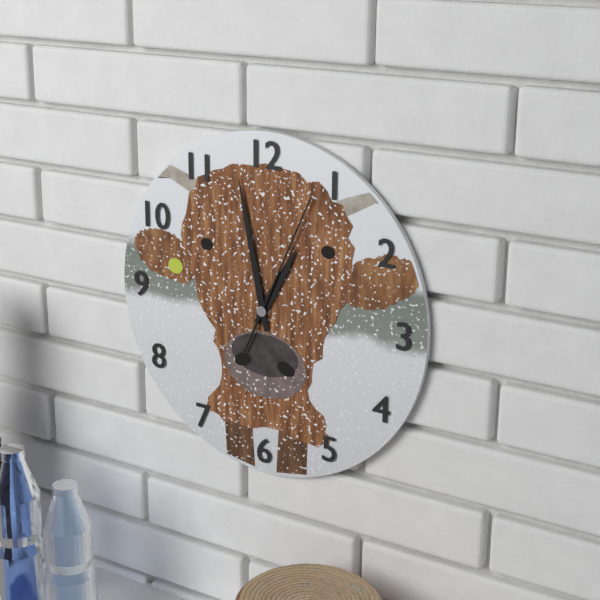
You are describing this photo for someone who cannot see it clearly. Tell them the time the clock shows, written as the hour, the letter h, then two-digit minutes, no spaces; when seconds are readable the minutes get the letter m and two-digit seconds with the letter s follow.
12h58m04s
